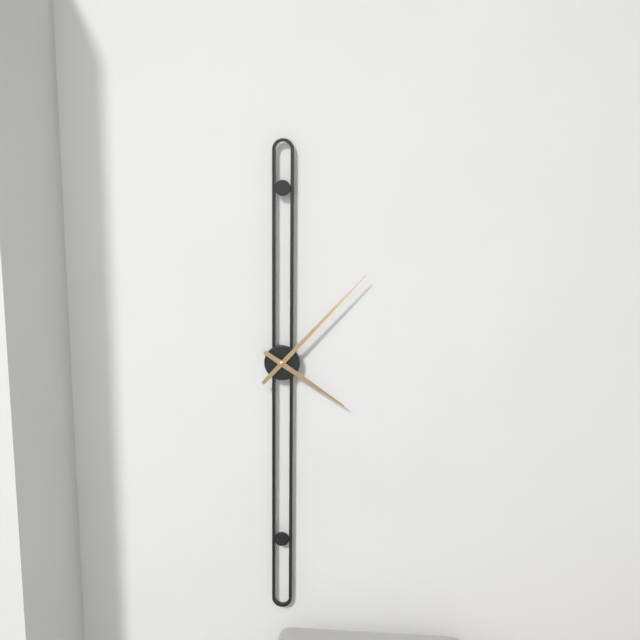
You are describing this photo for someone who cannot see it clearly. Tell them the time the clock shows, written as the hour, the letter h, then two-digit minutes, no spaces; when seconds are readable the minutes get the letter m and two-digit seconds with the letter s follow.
4h07
